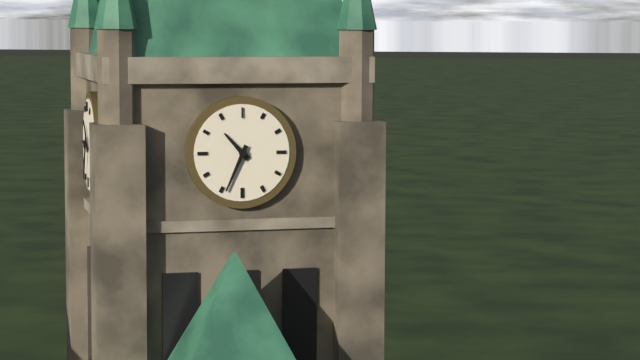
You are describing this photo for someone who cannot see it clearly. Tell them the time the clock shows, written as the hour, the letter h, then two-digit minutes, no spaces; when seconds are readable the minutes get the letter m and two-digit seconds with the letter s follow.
10h34
